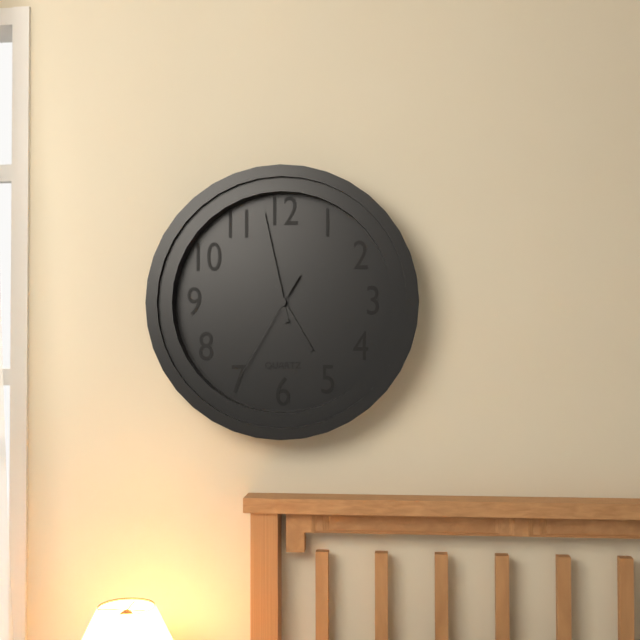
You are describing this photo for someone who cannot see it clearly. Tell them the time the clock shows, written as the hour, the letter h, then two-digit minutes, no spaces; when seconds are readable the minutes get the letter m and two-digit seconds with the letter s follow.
4h58m35s
